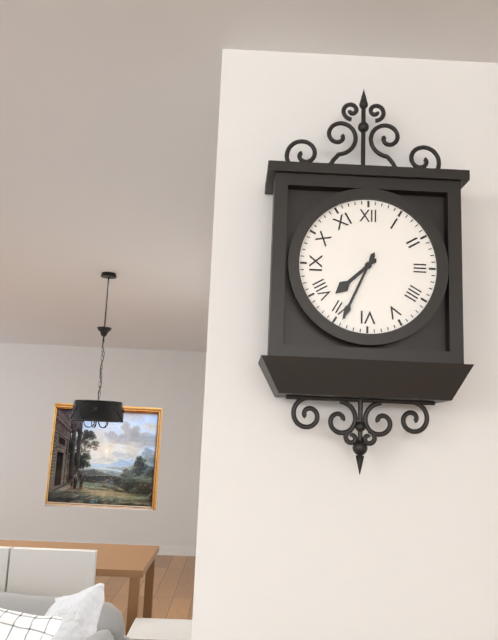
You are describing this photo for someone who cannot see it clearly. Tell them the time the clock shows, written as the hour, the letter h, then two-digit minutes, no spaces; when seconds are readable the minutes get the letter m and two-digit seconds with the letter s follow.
7h34
